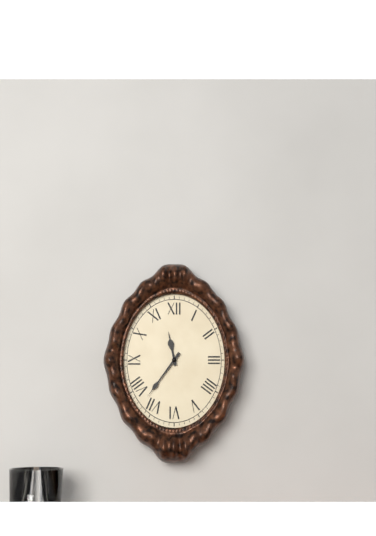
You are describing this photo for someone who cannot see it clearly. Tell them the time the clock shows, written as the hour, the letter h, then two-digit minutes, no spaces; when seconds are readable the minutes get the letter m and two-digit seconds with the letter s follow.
11h36
